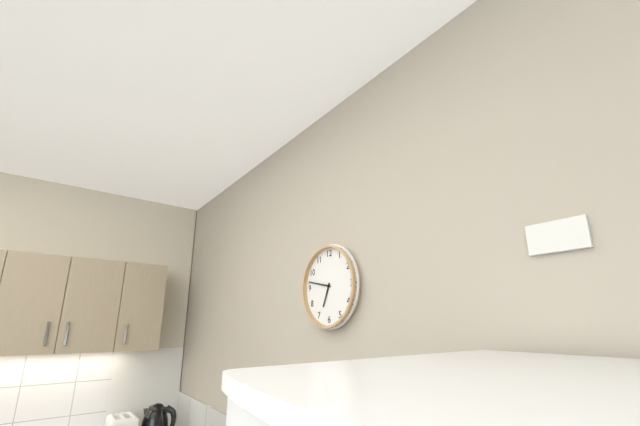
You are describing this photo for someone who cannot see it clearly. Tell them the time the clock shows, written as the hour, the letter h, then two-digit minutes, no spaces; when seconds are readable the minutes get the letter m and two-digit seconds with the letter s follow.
6h47
